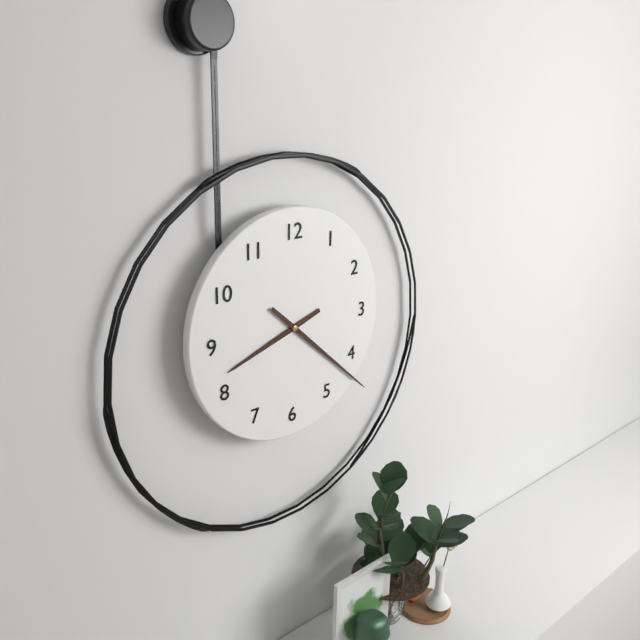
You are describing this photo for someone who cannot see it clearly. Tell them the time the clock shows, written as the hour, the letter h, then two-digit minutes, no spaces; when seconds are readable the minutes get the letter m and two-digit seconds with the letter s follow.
8h22
